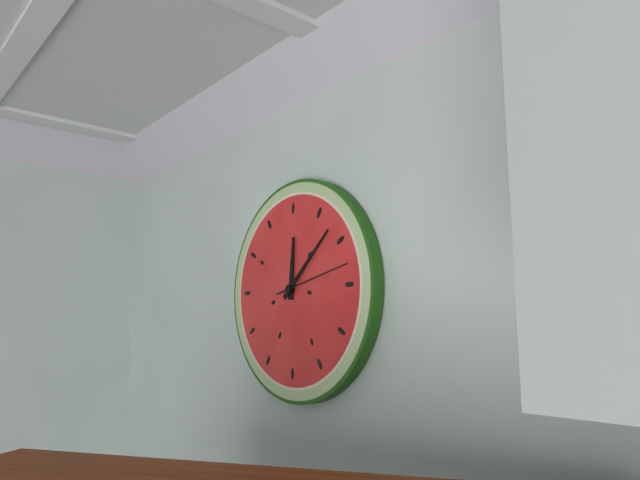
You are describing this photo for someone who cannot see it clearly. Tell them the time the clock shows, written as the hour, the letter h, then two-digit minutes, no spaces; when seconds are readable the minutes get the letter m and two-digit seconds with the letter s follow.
12h08m13s
